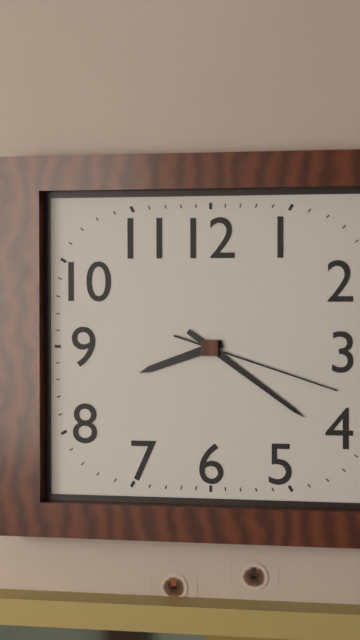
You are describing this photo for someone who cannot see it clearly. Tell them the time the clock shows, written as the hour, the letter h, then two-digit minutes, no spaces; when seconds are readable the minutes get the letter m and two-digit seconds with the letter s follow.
8h21m18s
